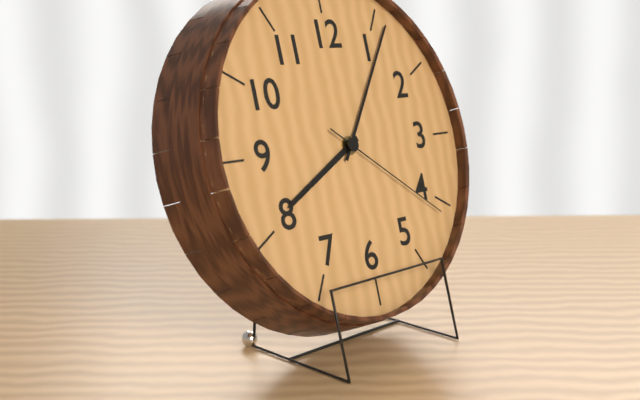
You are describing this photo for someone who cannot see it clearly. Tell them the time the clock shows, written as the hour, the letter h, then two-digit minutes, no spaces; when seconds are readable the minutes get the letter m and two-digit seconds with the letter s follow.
8h06m21s
